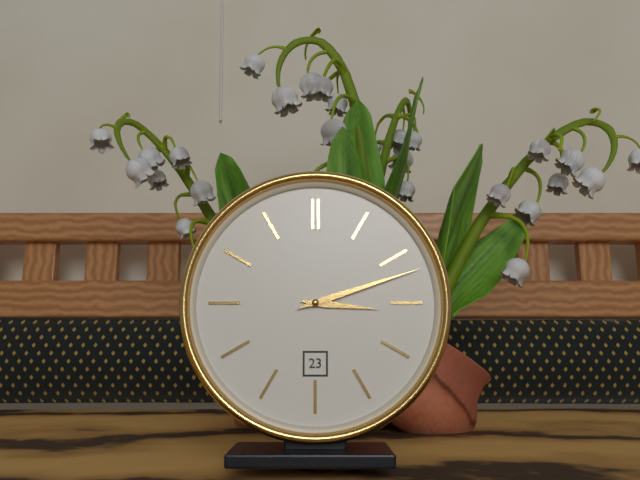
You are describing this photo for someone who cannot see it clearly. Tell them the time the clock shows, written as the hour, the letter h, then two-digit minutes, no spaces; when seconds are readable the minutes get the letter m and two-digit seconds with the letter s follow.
3h12
